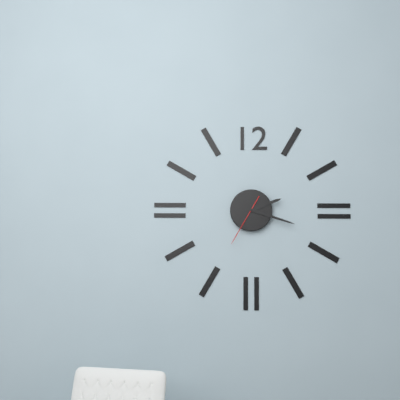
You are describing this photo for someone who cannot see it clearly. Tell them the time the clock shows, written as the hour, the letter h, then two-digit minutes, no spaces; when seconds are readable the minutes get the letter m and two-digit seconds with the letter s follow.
2h18m35s
